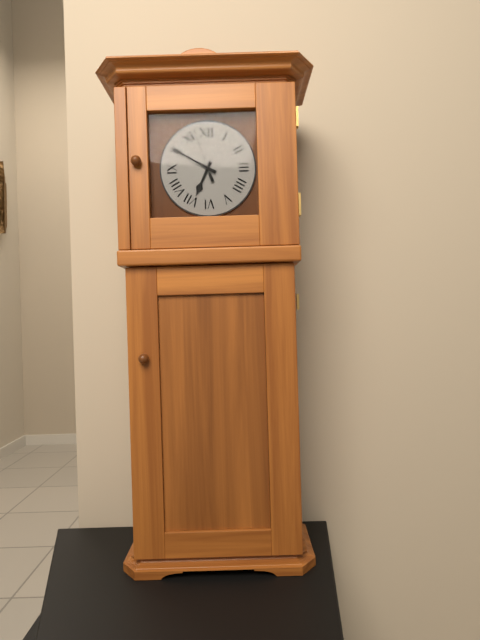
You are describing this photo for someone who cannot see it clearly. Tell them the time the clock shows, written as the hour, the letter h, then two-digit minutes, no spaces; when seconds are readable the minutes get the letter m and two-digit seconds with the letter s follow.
6h50m57s
